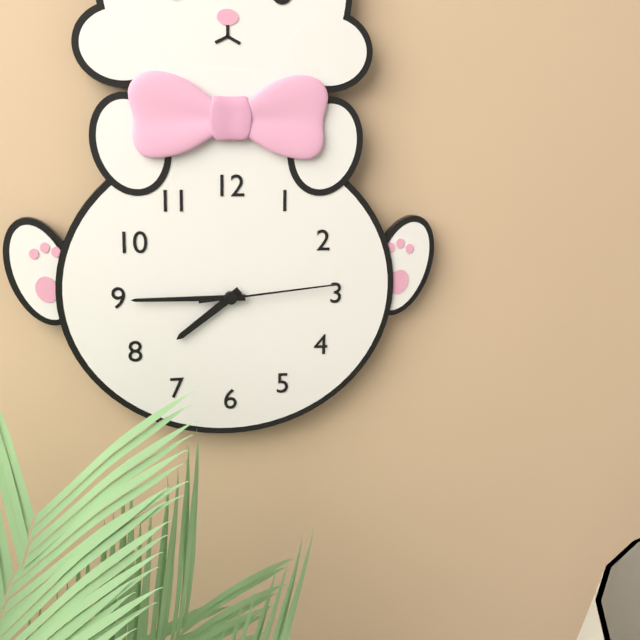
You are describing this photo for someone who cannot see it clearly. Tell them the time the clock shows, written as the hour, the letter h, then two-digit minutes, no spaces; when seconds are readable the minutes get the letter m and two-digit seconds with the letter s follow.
7h45m14s
